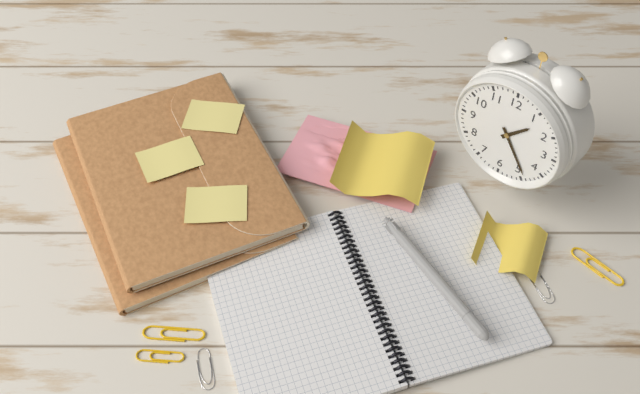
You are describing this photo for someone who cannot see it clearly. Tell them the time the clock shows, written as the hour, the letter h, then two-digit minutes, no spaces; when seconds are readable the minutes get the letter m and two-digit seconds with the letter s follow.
1h24
